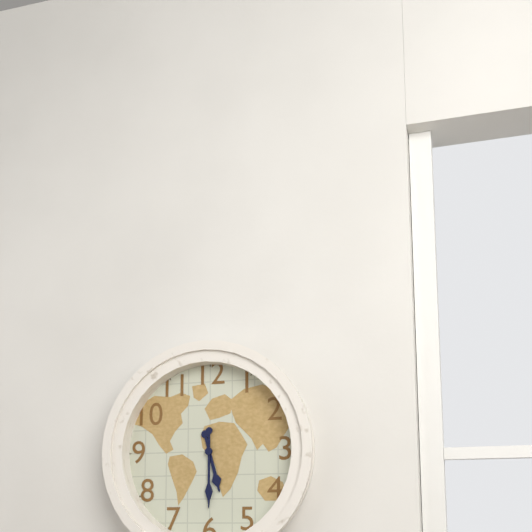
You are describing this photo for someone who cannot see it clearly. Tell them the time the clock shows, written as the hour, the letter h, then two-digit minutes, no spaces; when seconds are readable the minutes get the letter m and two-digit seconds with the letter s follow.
5h30
